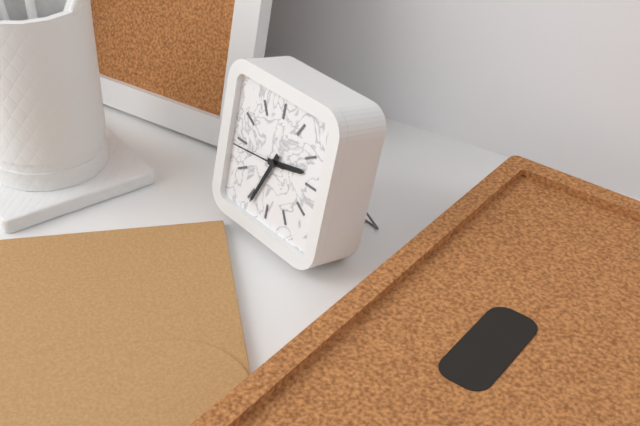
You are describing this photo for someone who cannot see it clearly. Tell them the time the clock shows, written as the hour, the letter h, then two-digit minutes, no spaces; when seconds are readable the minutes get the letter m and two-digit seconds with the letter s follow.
2h34m44s
